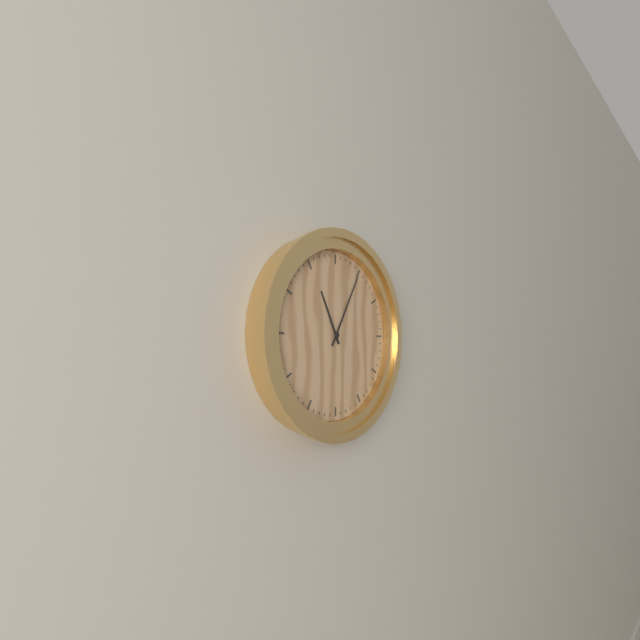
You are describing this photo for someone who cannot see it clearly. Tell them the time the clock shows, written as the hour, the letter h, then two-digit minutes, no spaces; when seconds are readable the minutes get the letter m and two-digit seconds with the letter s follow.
11h05
